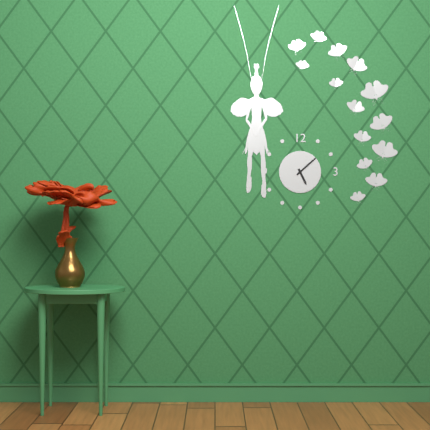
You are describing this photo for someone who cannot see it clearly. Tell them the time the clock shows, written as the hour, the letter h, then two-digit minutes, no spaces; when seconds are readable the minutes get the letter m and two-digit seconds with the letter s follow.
5h08
